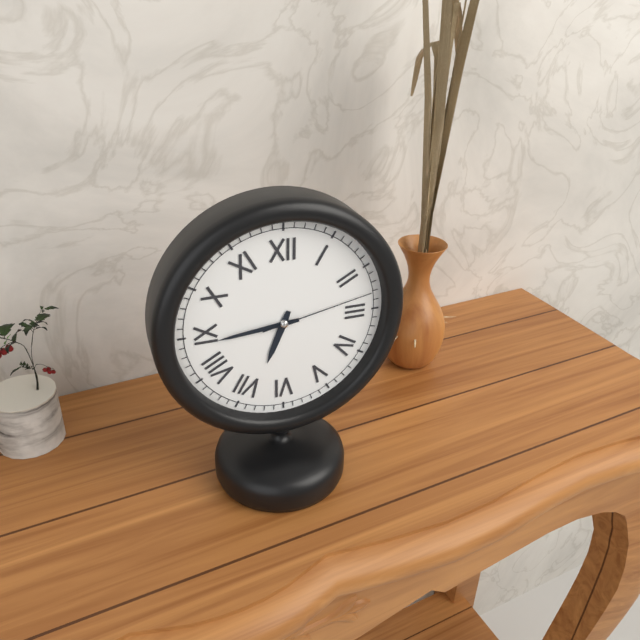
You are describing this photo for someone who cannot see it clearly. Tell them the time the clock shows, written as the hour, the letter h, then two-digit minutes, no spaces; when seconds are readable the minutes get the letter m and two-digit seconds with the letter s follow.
6h44m13s
